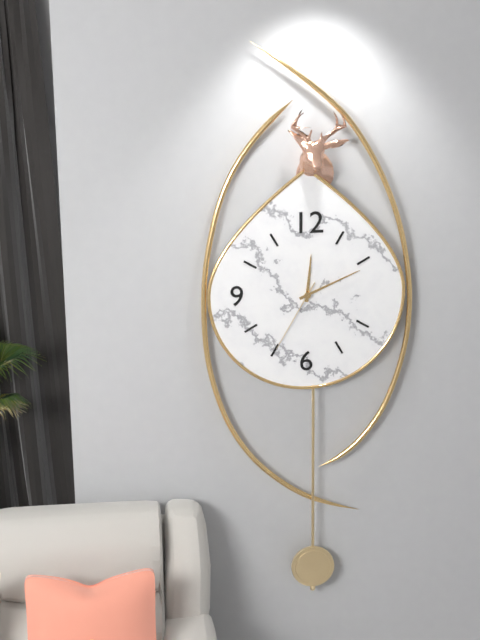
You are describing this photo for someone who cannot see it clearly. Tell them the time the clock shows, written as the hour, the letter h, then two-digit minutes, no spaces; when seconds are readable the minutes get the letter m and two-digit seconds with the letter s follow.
12h11m35s
